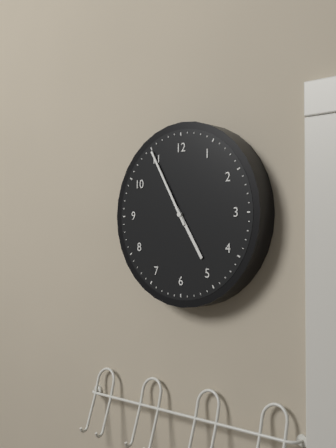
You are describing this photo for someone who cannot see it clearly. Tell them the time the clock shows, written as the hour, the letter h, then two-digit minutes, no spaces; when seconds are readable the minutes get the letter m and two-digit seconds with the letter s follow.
4h55
